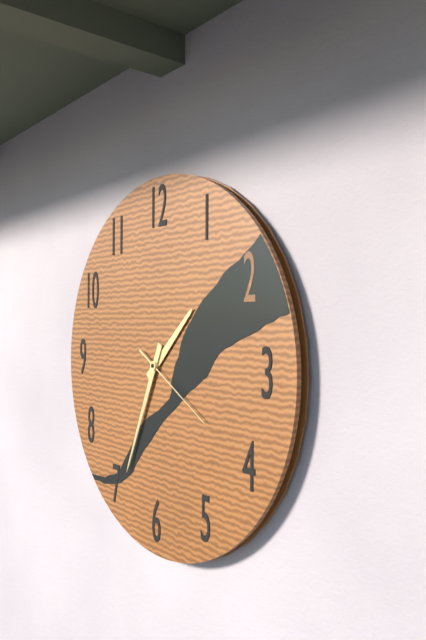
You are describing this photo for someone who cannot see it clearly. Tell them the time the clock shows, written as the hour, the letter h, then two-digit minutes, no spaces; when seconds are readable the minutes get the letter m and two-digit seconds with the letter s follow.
1h34m20s
